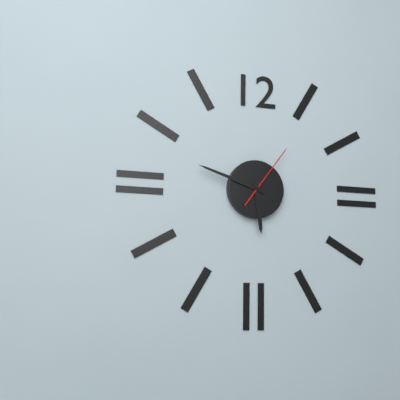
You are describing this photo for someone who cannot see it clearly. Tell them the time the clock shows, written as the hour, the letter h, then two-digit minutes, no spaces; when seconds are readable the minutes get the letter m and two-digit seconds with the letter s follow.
5h48m06s
